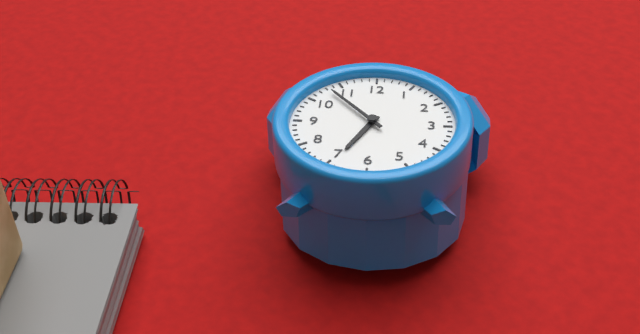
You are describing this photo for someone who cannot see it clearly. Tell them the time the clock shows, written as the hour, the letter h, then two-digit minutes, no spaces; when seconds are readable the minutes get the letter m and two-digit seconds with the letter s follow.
6h53
